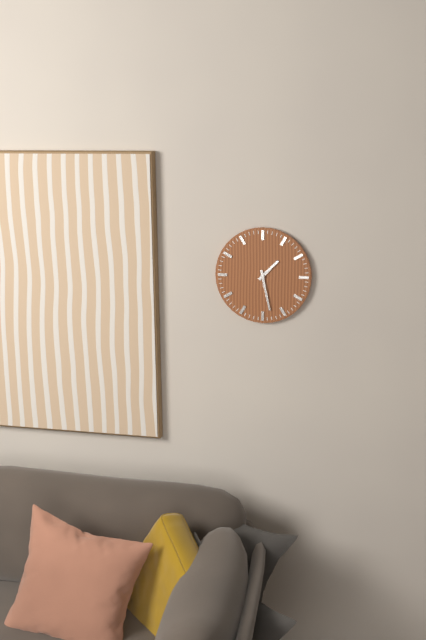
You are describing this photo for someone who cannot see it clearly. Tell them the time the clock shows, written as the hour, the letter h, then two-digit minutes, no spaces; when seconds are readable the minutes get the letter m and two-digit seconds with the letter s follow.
1h28
